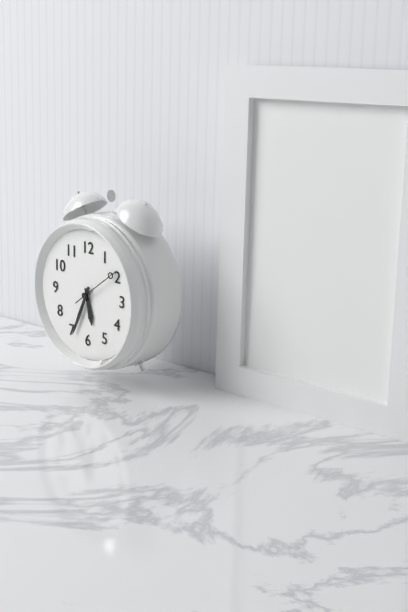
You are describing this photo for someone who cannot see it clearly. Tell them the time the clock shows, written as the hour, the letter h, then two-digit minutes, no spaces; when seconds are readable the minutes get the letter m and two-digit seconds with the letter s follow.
5h34
